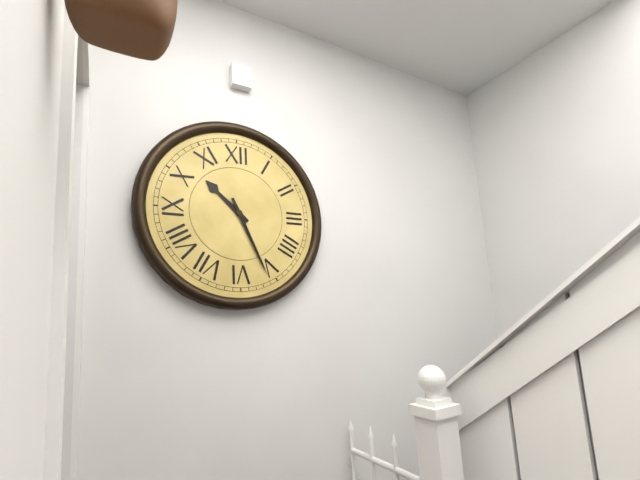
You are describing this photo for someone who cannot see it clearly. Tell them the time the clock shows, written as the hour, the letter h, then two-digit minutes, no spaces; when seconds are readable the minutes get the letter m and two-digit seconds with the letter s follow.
10h26
